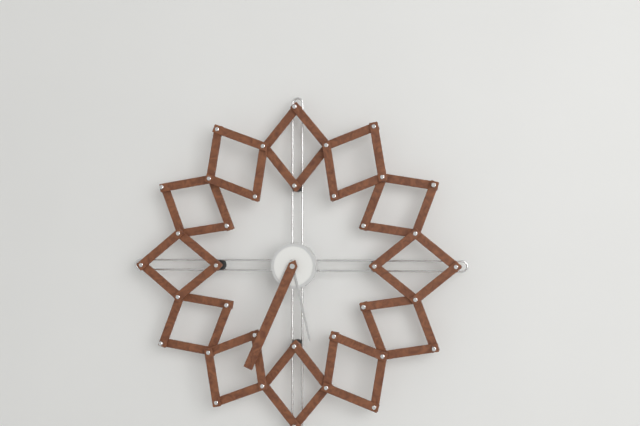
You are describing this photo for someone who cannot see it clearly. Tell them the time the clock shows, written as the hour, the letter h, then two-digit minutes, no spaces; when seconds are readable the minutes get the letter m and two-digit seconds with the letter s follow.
5h34
